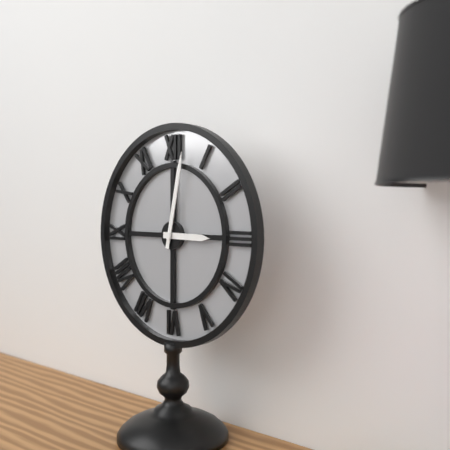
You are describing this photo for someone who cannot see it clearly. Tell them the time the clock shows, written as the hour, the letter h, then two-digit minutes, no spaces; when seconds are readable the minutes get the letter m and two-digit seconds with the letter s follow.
3h02
